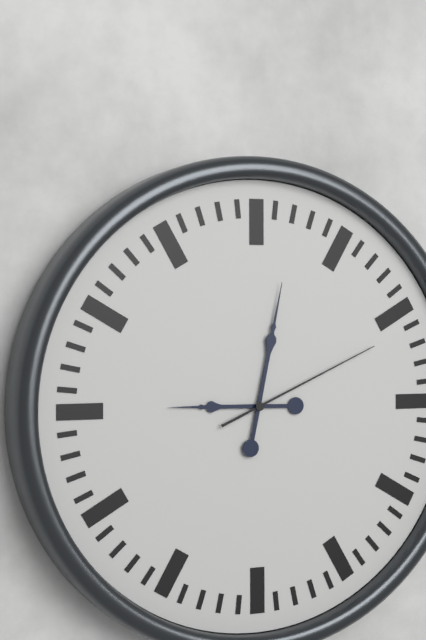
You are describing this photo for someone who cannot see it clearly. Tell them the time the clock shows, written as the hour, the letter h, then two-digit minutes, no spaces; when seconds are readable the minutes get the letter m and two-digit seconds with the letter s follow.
9h02m11s
